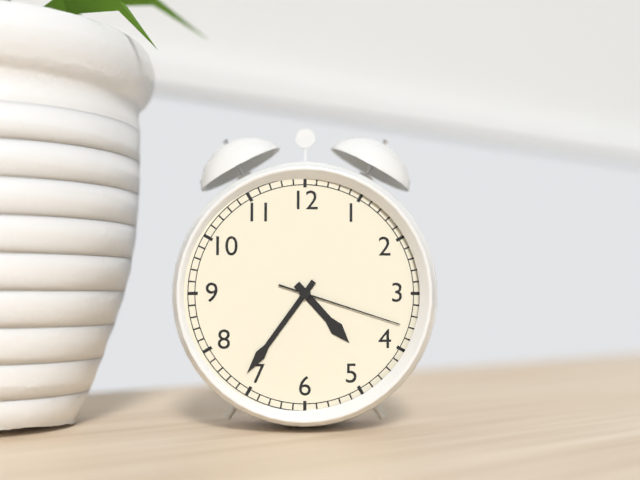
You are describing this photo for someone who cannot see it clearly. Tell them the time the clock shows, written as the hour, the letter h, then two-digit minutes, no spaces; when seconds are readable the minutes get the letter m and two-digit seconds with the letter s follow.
4h36m18s
